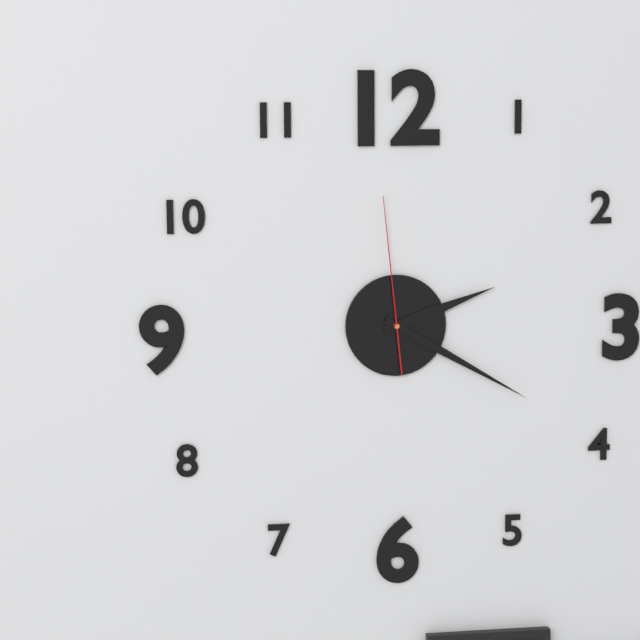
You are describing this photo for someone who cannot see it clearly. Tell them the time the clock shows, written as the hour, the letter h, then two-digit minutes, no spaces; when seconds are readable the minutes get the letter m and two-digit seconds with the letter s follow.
2h20m59s
